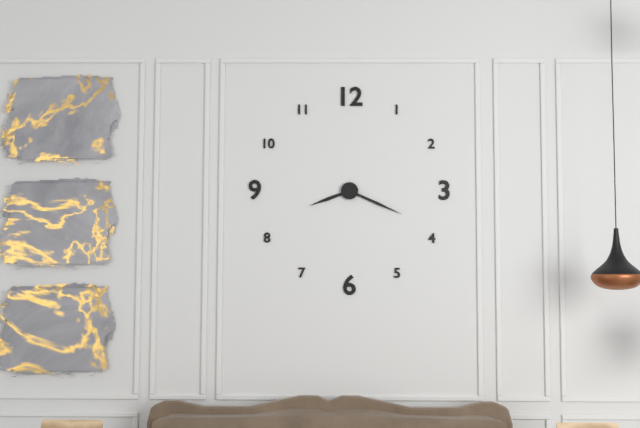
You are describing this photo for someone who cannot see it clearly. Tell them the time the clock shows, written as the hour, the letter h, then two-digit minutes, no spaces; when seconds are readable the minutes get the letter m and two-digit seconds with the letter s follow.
8h19
